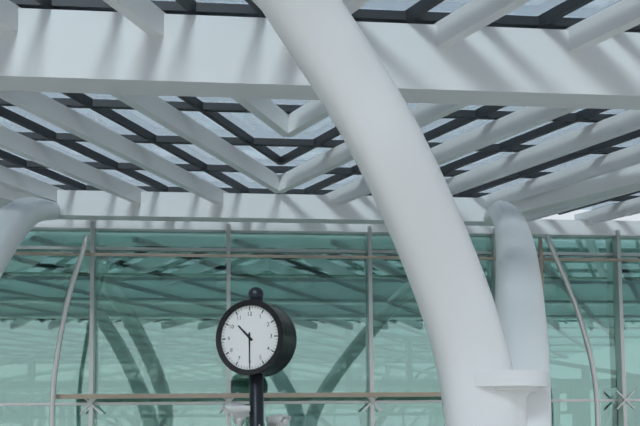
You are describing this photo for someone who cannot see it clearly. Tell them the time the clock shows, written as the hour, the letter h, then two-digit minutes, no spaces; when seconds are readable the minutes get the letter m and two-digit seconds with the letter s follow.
10h30
